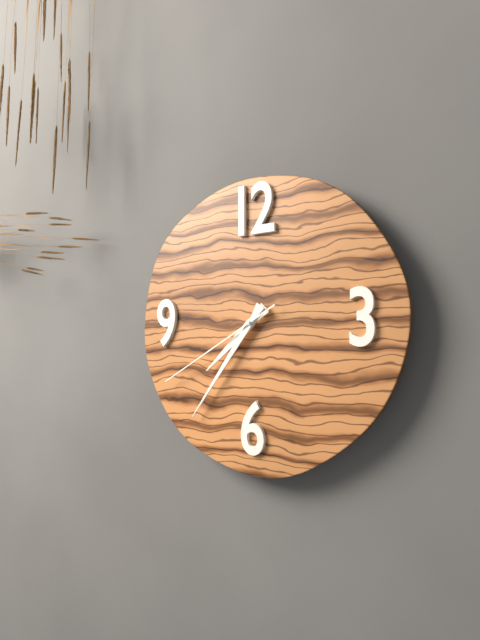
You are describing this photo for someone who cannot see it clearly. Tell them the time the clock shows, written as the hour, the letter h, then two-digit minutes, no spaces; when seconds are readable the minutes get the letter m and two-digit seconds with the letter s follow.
7h36m40s
